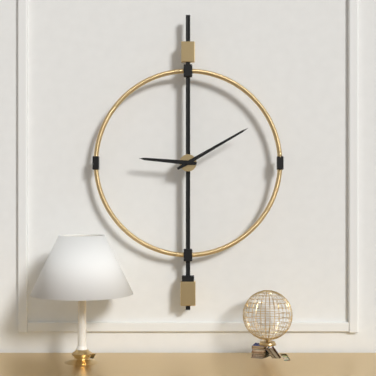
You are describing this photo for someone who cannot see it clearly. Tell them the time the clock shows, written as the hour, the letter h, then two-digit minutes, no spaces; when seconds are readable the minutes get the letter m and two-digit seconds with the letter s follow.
9h10
